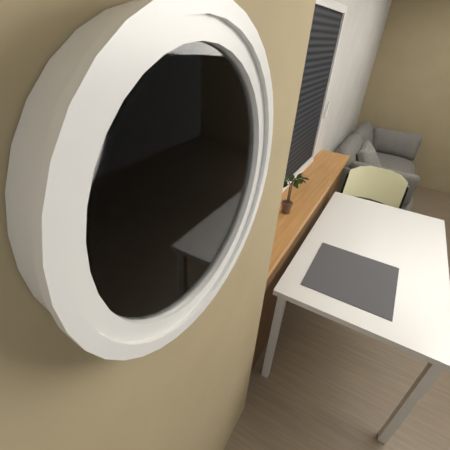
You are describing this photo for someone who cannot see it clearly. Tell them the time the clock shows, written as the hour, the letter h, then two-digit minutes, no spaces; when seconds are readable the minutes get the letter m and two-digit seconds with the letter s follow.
4h44
